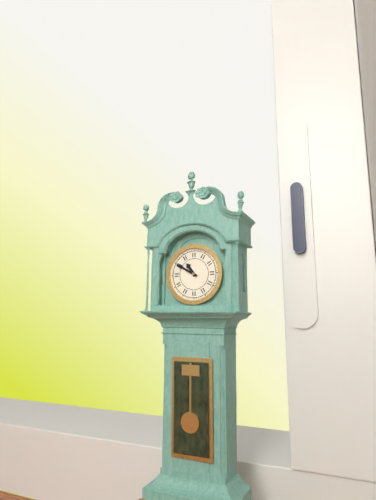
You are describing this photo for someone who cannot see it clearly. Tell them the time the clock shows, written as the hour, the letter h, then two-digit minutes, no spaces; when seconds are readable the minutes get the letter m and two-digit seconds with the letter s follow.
10h50
